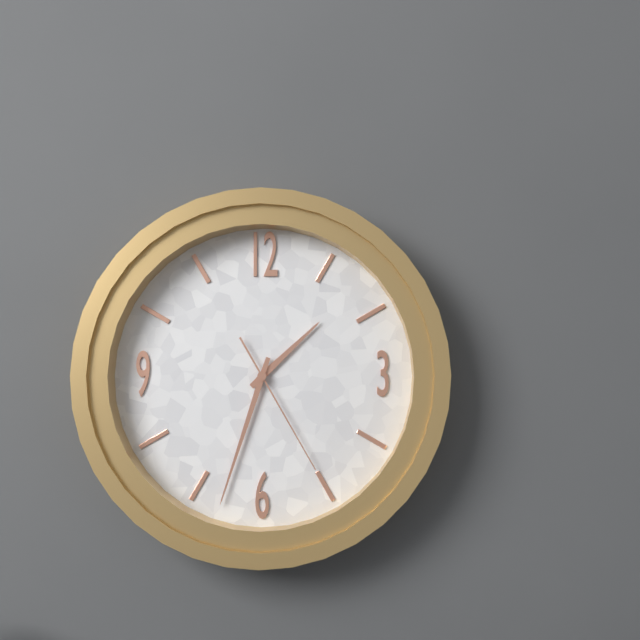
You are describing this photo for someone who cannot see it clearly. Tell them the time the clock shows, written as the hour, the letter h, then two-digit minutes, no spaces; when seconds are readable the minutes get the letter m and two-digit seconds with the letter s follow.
1h33m25s
